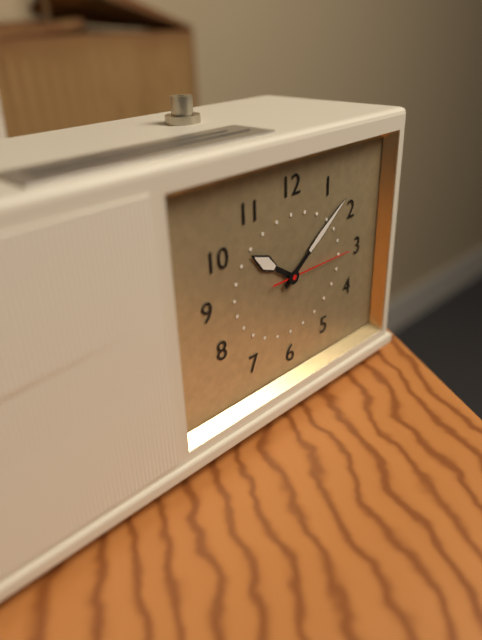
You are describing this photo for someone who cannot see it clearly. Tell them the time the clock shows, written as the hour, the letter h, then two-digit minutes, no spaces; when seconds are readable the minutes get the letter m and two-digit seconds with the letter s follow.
10h09m15s
